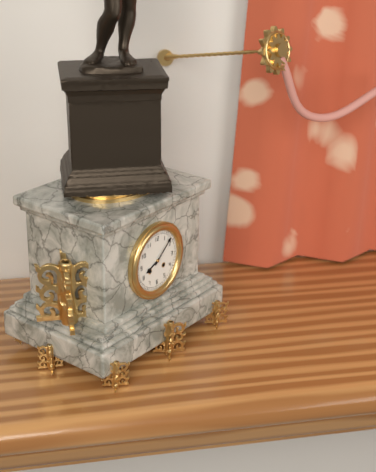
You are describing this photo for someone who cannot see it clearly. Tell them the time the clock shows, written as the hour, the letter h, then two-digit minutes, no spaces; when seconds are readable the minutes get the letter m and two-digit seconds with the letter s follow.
8h08
